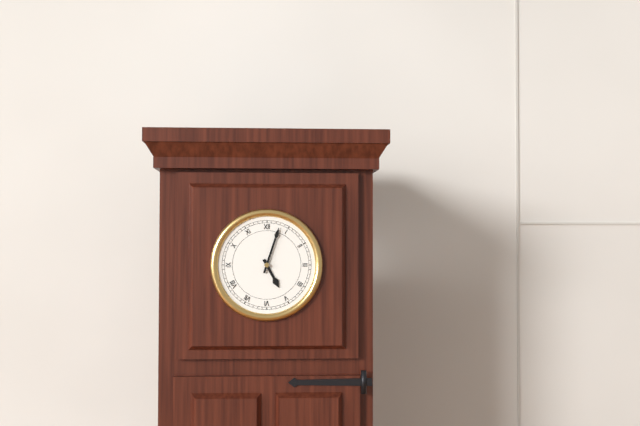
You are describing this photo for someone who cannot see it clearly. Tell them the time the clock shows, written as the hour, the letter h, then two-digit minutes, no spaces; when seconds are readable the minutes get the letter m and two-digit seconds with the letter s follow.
5h03
